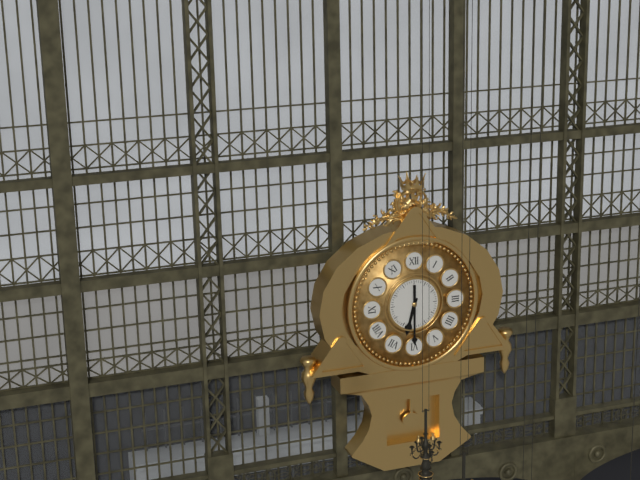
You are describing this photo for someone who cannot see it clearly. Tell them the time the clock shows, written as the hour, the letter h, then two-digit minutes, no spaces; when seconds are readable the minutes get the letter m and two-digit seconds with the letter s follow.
6h30
